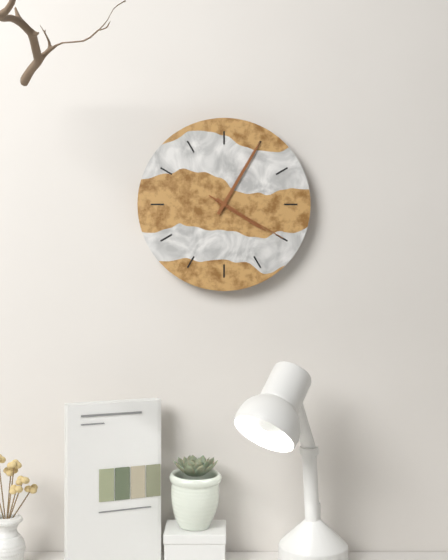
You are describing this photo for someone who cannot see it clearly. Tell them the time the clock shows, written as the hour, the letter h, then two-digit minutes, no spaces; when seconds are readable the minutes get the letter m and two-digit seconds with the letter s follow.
4h05m20s
